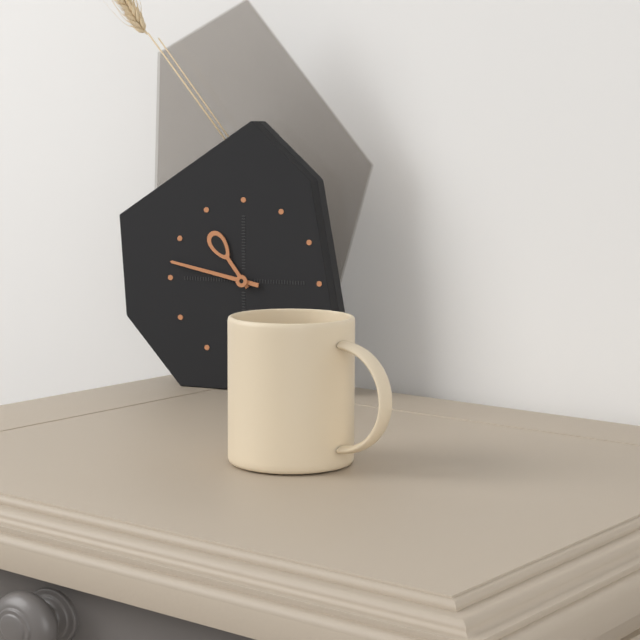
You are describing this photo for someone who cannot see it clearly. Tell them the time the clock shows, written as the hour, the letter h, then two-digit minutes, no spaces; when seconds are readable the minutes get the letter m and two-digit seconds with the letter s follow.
10h47
